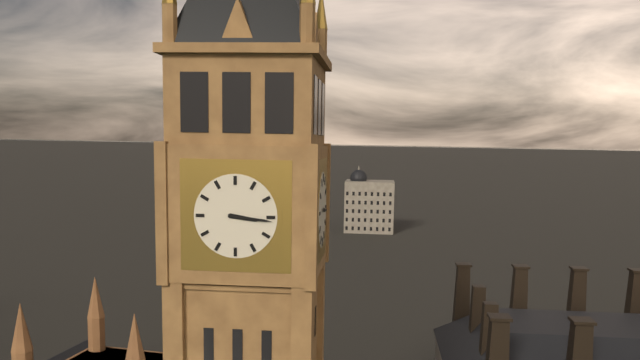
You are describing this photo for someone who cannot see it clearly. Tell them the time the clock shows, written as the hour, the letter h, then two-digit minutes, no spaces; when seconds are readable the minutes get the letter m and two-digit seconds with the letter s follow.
3h16
